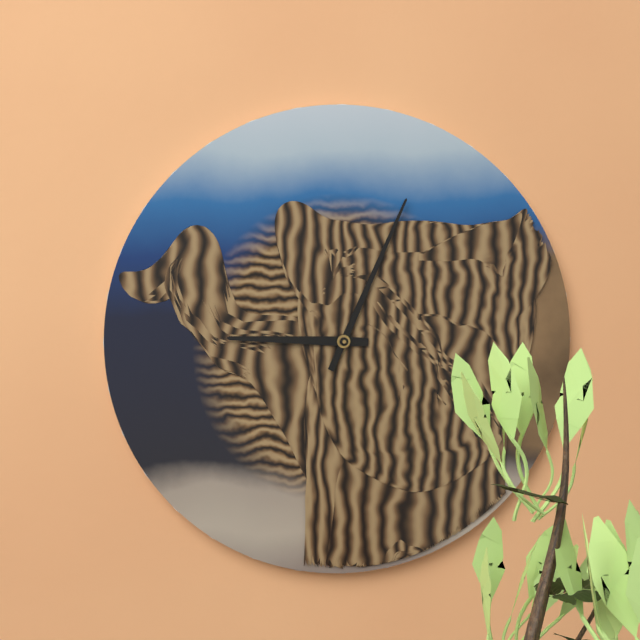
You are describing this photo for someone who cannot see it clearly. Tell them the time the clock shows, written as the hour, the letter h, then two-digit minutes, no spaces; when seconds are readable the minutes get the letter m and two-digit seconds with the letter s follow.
9h04
